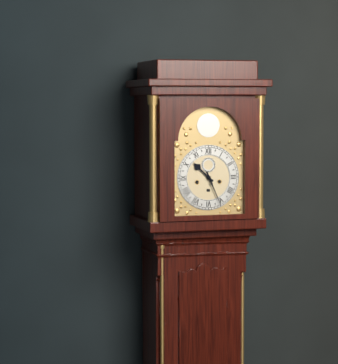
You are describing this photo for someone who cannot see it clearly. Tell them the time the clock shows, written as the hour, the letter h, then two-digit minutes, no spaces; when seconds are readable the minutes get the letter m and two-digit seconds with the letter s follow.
10h26
